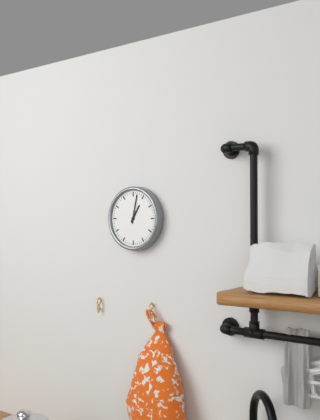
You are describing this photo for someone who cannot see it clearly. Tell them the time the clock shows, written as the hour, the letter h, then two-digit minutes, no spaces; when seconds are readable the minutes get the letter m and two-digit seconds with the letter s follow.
1h02
